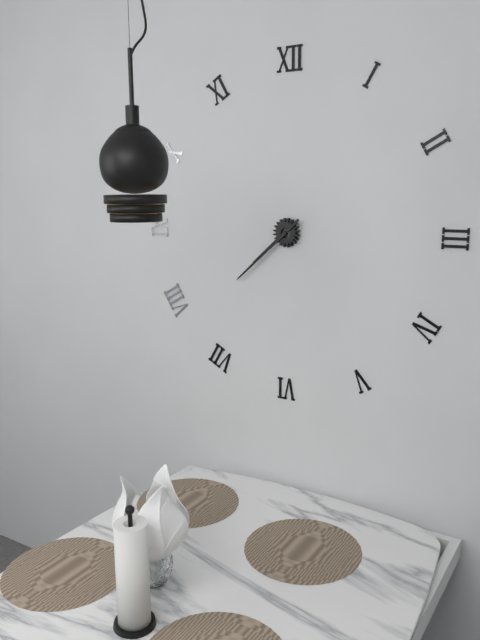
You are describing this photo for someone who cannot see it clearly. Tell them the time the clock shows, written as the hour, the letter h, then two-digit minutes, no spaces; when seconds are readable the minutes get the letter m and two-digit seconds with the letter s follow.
7h38
